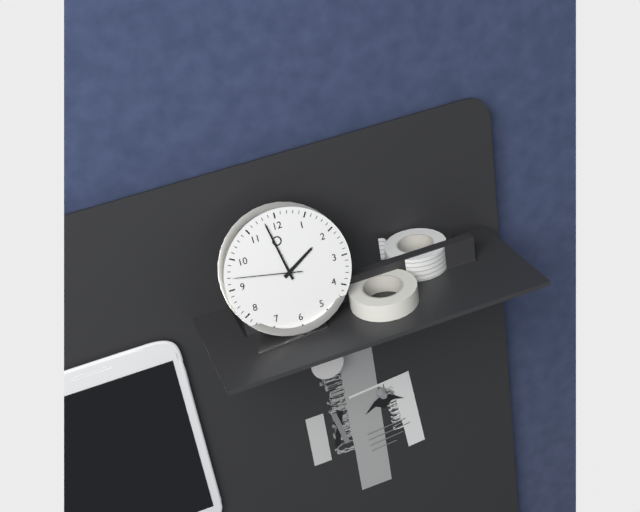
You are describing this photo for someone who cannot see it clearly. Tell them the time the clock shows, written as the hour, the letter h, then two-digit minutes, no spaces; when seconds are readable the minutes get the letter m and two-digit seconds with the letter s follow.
1h58m47s
